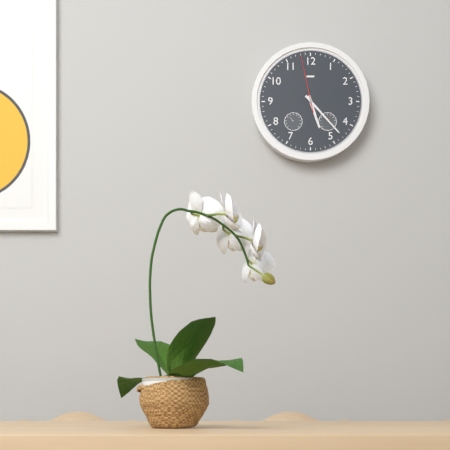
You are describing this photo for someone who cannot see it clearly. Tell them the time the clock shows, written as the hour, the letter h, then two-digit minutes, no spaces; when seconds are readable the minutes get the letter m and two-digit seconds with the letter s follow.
5h23m58s
